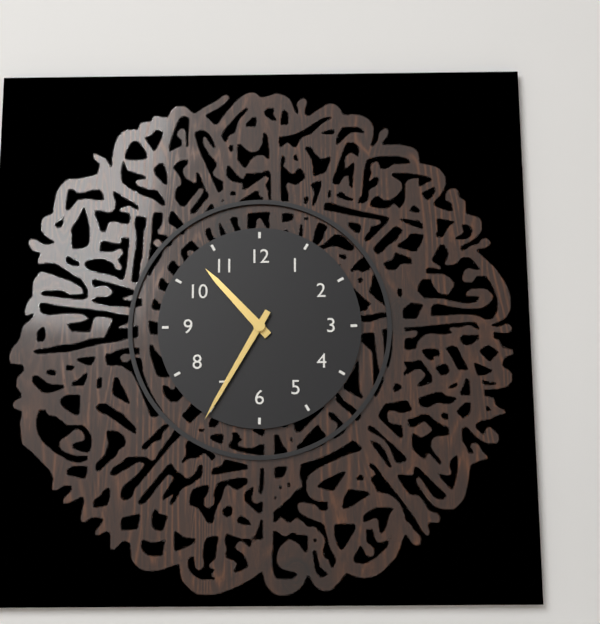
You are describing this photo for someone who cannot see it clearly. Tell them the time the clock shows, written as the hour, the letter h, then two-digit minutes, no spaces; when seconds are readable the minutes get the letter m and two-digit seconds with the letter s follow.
10h35
